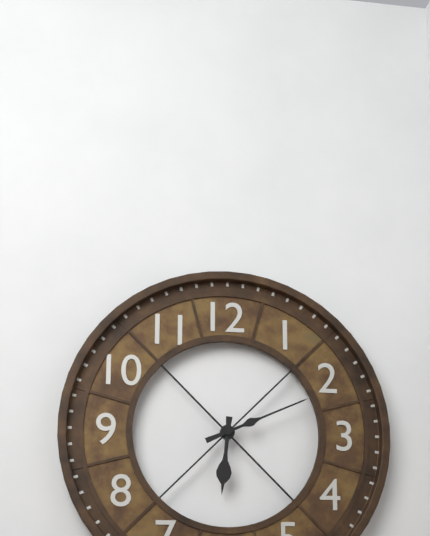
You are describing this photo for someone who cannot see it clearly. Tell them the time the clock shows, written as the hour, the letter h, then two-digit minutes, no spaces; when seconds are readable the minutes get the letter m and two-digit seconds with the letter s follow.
6h11
